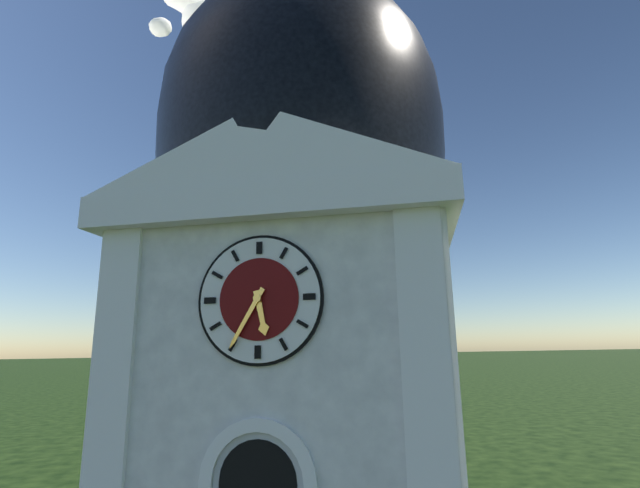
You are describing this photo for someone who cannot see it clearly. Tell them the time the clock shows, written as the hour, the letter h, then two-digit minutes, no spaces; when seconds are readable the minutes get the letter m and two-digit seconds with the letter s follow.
5h35
